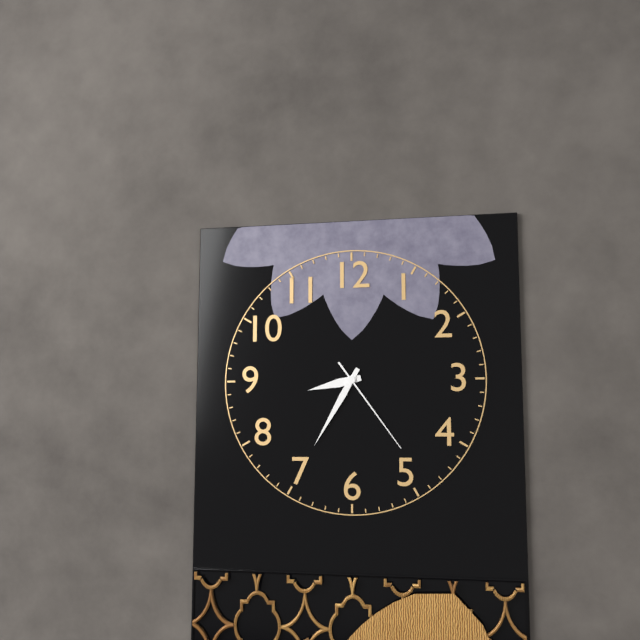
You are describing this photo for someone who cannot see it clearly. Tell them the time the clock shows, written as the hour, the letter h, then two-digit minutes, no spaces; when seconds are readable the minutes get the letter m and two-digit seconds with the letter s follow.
8h35m24s
